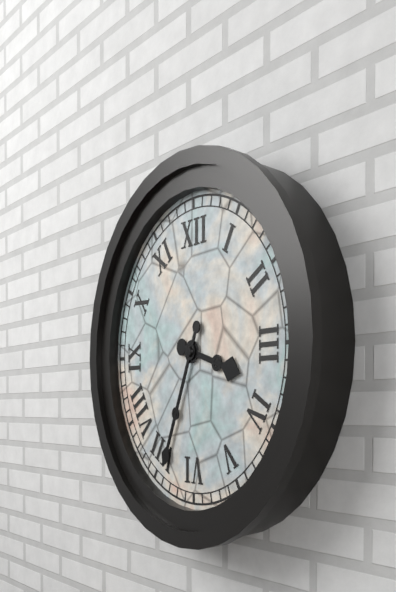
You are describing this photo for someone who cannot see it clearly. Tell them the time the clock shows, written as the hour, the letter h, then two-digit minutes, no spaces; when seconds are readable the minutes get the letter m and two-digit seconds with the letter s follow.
3h34
